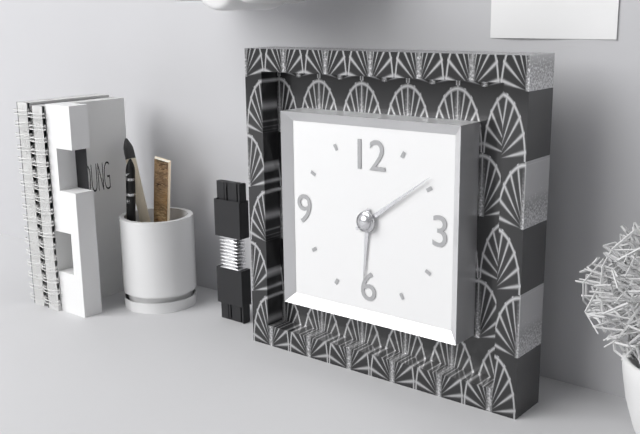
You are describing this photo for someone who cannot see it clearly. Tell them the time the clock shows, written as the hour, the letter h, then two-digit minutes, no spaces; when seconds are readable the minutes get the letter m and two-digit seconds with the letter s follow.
6h09
